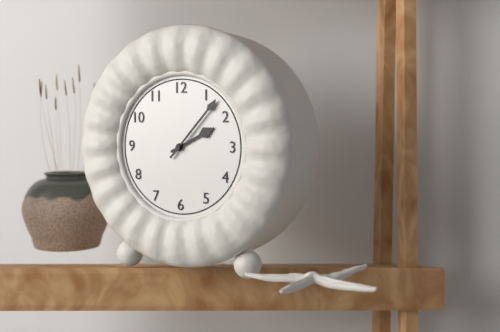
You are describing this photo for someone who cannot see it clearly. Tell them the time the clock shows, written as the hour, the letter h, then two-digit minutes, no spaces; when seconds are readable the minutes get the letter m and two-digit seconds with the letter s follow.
2h07
